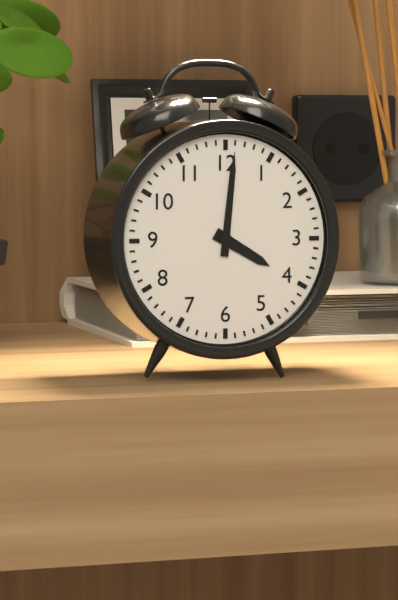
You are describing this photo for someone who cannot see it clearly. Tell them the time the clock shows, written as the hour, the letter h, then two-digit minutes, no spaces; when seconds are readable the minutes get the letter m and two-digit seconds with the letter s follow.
4h01
